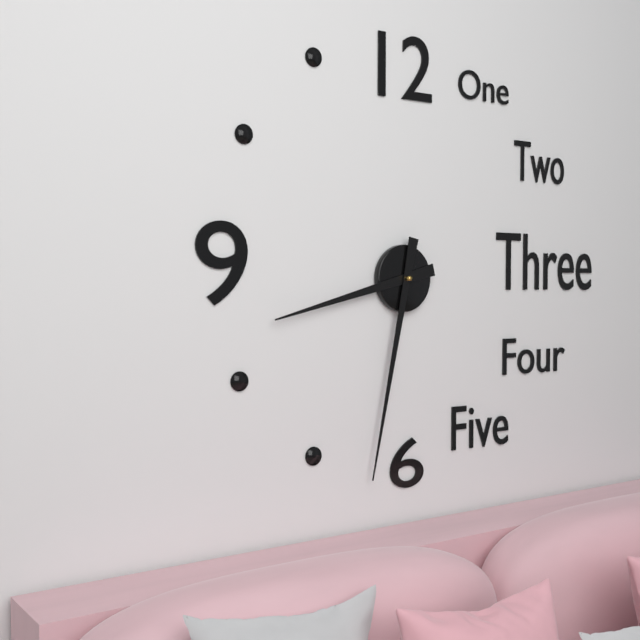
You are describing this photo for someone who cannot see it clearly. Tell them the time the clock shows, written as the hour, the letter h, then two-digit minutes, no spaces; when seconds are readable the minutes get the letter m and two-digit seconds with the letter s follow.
8h32
